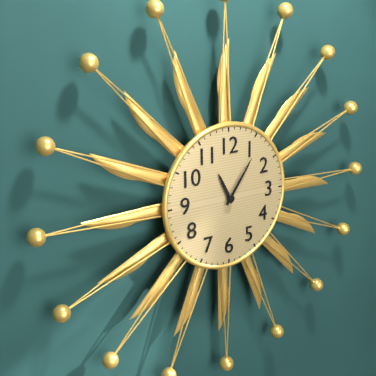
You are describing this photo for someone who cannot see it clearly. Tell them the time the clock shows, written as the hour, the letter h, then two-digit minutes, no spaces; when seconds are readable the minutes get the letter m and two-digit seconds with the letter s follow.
11h06
